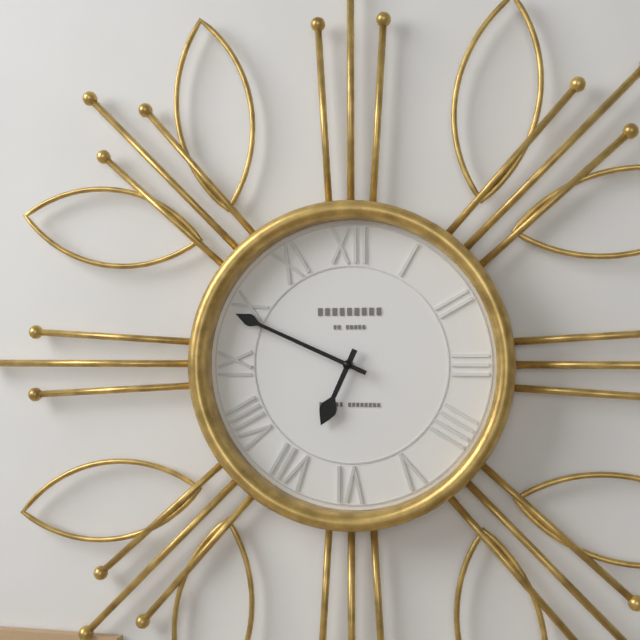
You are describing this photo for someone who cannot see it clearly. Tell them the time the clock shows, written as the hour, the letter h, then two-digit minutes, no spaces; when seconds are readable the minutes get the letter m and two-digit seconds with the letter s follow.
6h49
